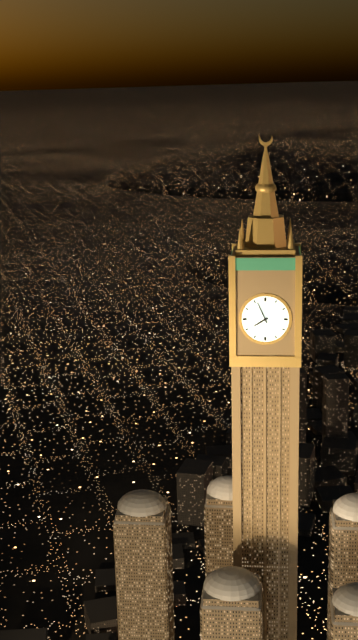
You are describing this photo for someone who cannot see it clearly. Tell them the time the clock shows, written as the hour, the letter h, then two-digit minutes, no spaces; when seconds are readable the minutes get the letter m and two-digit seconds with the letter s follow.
7h56
